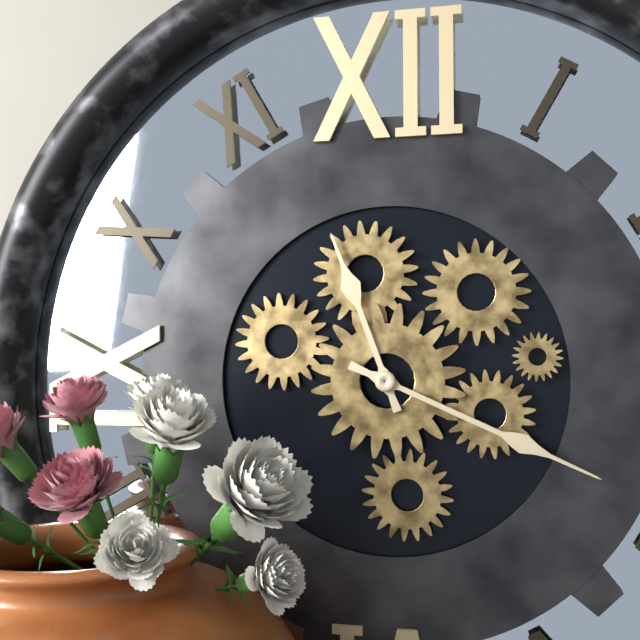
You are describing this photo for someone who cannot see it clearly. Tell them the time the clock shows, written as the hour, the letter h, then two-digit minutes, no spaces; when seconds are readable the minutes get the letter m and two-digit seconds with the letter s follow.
11h19
